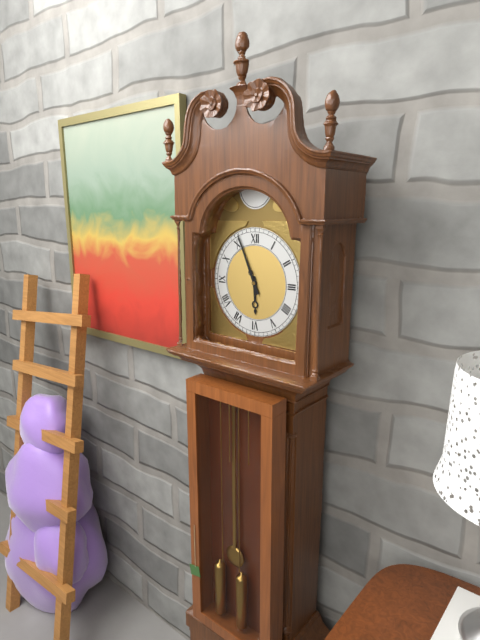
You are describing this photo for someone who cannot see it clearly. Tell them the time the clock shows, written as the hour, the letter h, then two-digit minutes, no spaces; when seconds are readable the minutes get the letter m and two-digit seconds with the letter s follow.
5h56
